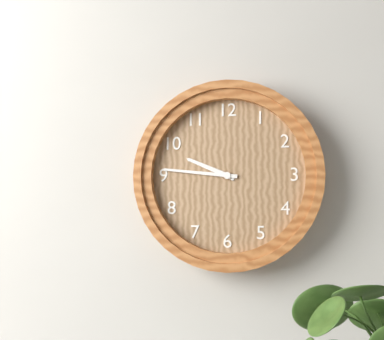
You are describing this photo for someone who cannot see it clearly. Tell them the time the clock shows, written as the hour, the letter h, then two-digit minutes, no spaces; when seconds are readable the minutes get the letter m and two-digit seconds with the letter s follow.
9h46
